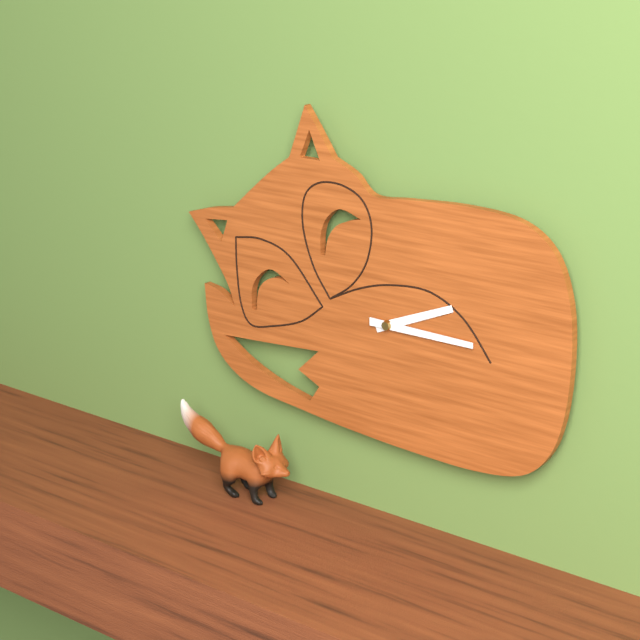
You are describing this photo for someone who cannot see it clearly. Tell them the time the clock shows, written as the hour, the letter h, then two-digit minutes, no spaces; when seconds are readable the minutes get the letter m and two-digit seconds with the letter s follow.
2h15
